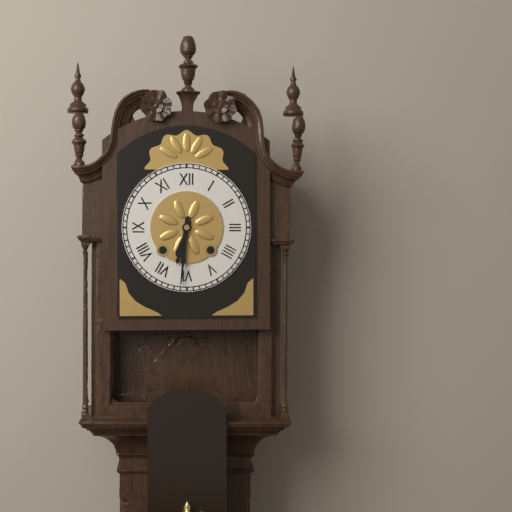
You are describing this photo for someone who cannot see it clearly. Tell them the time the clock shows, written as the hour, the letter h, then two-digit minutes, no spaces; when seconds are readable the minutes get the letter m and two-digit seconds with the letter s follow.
6h31
